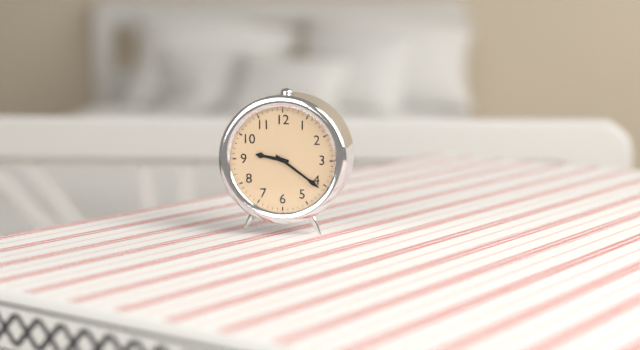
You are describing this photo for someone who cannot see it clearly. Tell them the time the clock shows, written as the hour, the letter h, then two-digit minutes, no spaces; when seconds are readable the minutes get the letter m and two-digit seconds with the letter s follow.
9h21
